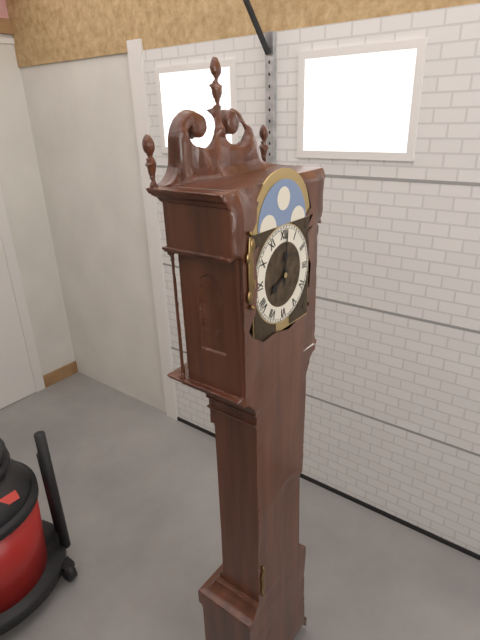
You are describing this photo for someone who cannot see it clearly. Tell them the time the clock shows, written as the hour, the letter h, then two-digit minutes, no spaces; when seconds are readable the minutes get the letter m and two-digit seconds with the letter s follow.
8h01
